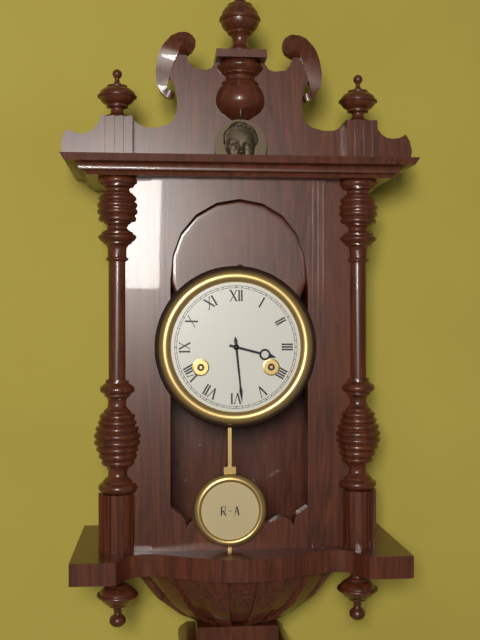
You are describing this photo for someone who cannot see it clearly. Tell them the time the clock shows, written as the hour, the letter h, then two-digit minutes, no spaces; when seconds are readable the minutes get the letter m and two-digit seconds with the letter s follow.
3h29
